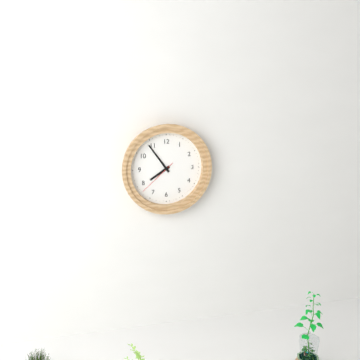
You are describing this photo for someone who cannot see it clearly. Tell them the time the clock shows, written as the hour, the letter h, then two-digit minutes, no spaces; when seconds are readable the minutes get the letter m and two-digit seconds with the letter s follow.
7h54
